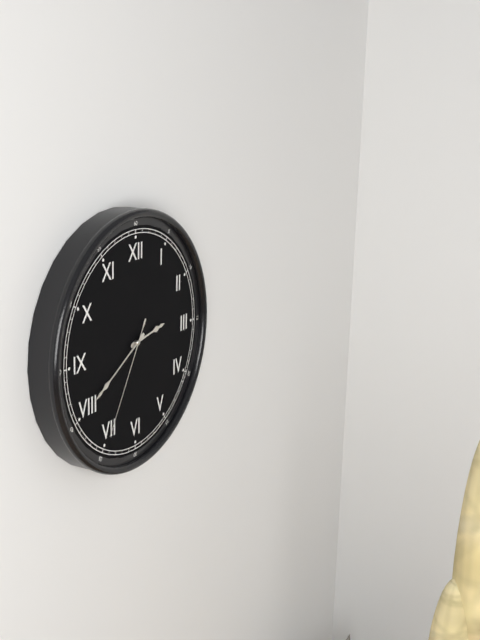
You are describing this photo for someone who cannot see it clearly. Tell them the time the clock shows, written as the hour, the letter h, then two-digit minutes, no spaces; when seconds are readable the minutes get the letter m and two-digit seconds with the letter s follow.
2h40m35s
